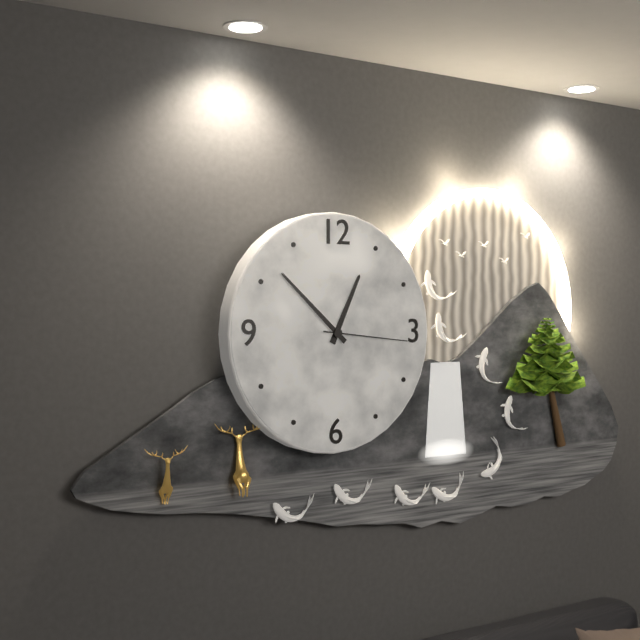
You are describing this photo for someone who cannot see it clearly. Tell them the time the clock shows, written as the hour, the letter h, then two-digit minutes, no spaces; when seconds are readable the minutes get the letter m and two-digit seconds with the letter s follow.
12h52m16s
